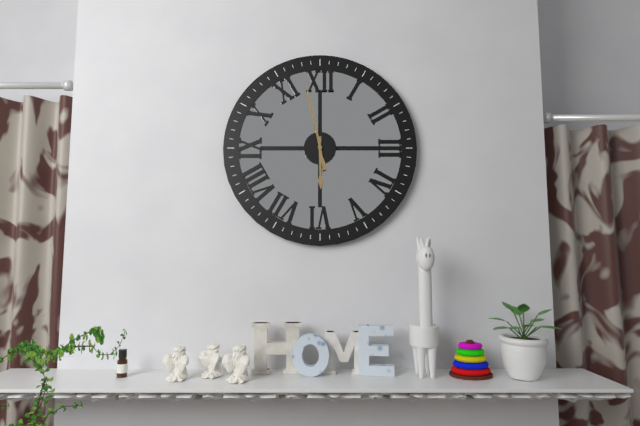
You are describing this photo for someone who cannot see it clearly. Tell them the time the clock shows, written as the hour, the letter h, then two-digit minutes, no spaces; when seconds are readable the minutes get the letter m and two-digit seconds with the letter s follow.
5h58
